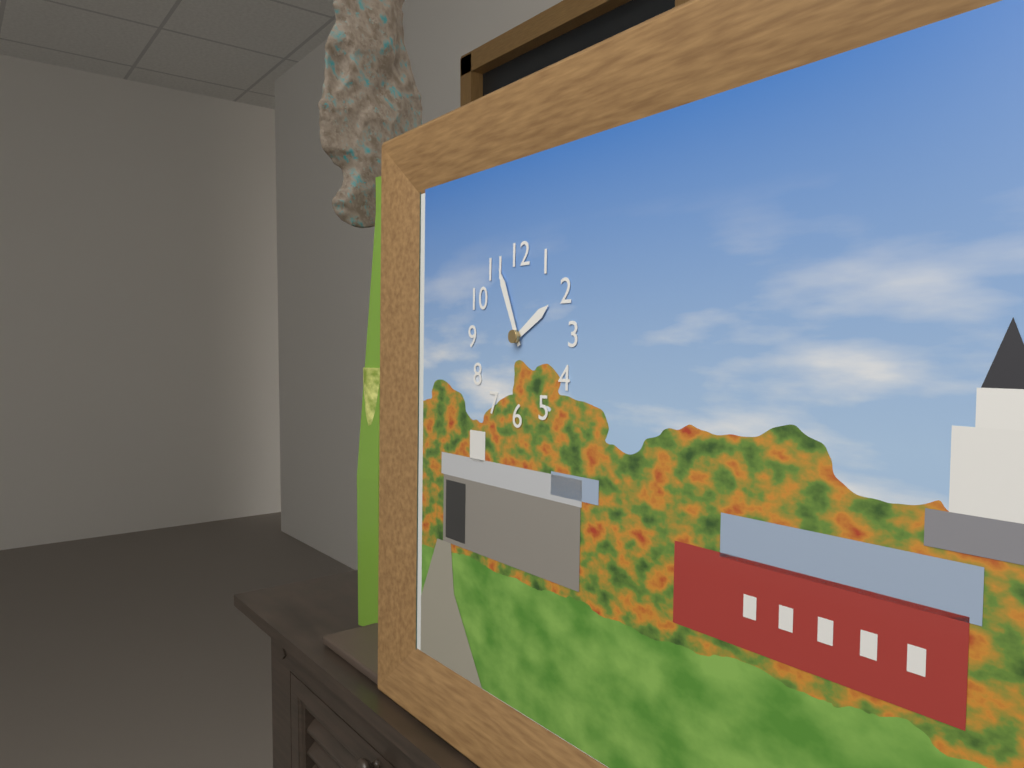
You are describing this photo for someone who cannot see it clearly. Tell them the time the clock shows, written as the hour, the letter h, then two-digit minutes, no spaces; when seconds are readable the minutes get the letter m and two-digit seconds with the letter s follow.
1h56
